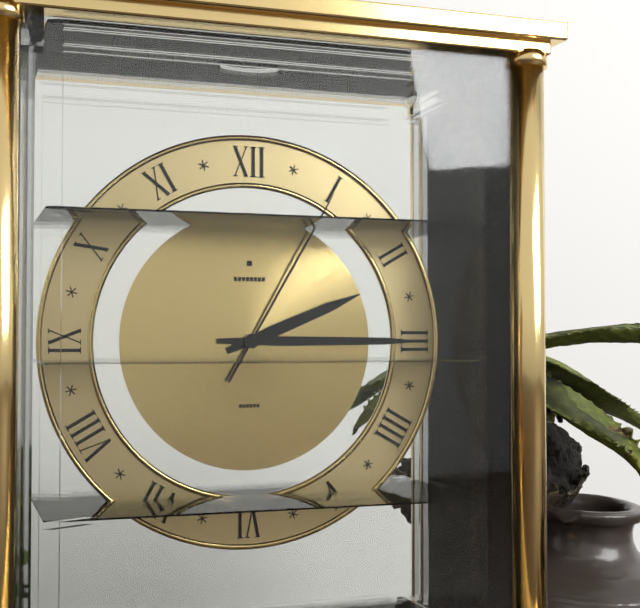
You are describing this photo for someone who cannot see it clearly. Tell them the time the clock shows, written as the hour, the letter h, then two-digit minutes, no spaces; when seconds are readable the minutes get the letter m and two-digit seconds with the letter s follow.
2h15m05s
